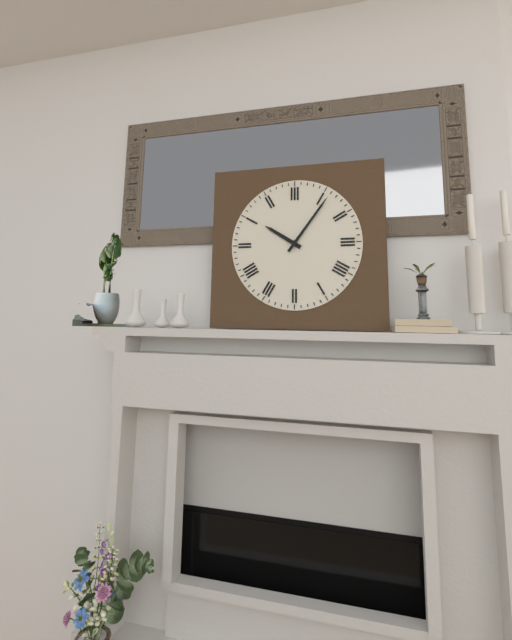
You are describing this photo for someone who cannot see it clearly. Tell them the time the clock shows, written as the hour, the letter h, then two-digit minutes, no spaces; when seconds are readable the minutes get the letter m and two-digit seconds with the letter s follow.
10h06
